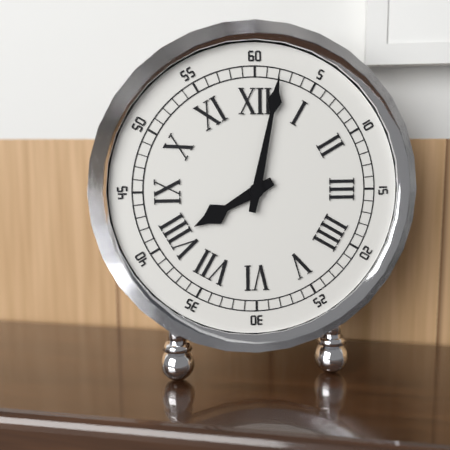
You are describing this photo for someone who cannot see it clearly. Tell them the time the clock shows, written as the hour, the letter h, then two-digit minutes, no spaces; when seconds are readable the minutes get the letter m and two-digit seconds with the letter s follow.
8h02
